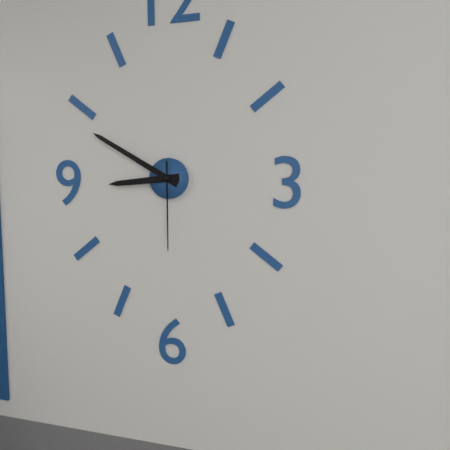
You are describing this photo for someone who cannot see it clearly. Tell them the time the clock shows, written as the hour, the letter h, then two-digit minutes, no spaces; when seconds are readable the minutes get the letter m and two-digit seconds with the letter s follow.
8h50m30s
